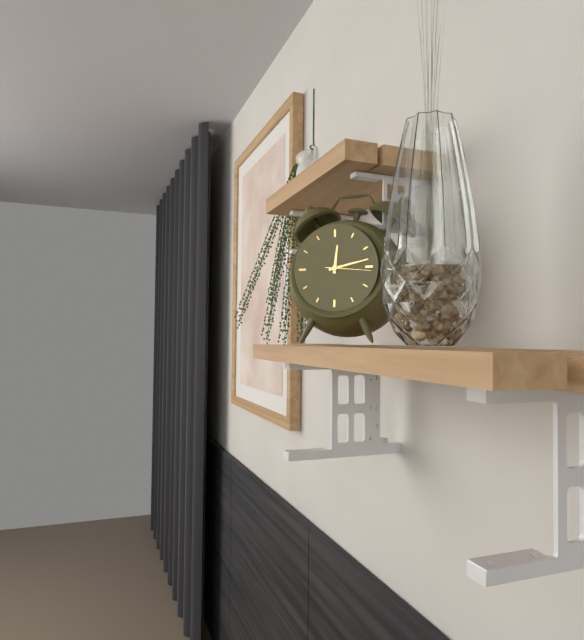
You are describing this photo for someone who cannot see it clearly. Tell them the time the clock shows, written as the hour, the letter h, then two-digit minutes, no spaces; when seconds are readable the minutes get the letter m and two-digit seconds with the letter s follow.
12h13
